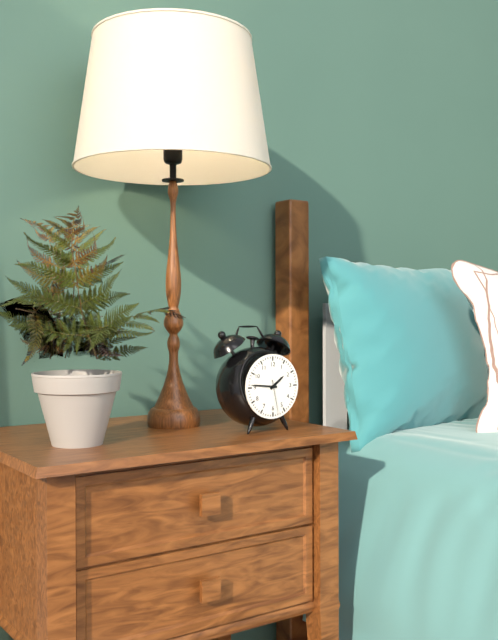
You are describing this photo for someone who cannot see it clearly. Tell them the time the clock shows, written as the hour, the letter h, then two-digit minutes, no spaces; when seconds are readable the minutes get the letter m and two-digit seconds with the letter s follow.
1h46
